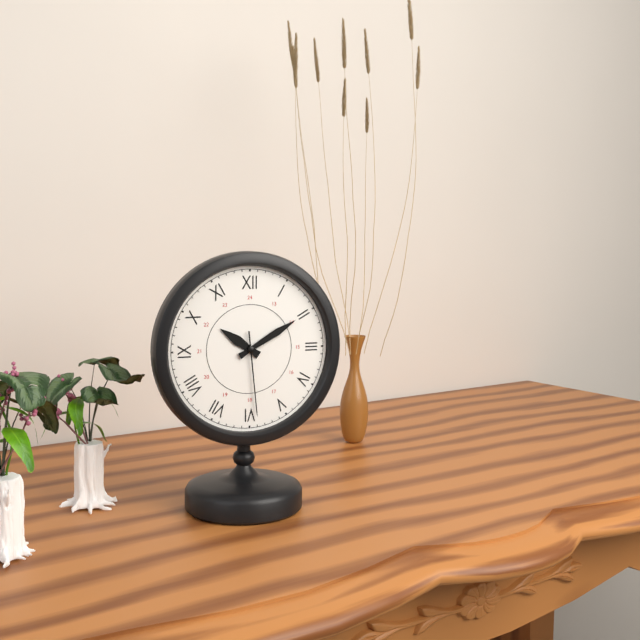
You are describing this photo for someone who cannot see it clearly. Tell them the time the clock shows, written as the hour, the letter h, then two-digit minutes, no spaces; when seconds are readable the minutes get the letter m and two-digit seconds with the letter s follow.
10h10m29s
